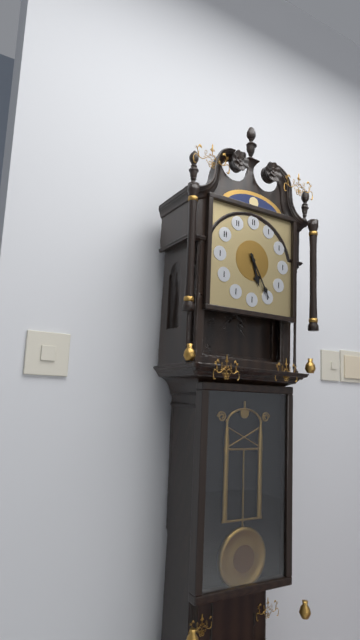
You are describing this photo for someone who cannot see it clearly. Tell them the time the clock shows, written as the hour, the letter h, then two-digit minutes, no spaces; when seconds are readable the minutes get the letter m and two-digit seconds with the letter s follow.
5h25
